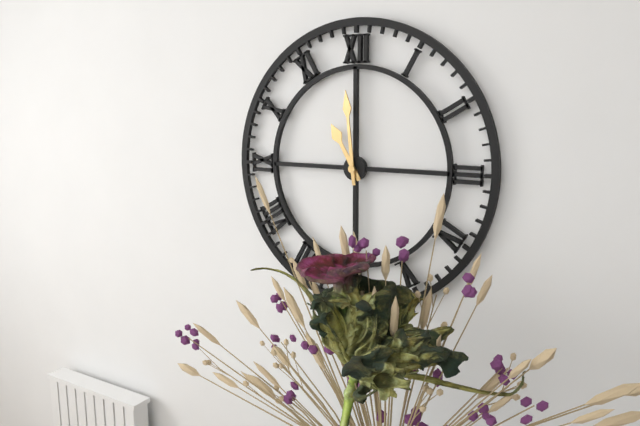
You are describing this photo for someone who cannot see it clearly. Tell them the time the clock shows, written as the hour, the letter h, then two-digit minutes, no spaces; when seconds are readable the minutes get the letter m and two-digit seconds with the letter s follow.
10h59
